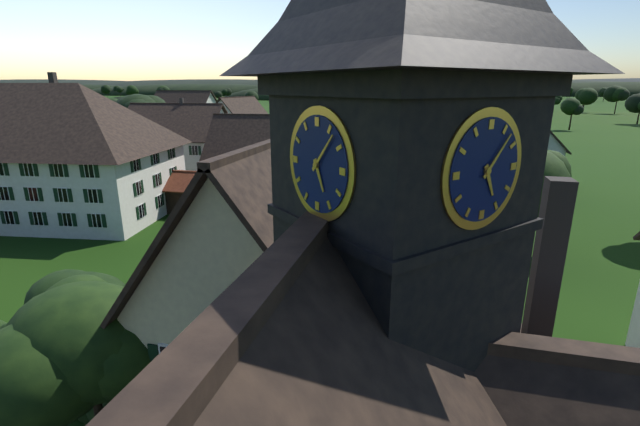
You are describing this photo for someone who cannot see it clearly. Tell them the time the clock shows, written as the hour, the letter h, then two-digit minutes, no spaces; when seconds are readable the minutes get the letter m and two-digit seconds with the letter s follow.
5h07
